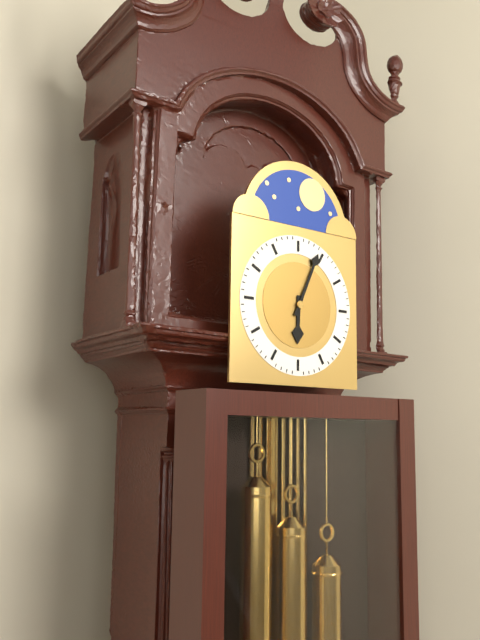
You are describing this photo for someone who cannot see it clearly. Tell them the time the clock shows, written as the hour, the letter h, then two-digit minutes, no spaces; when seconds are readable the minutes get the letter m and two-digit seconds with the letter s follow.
6h04
